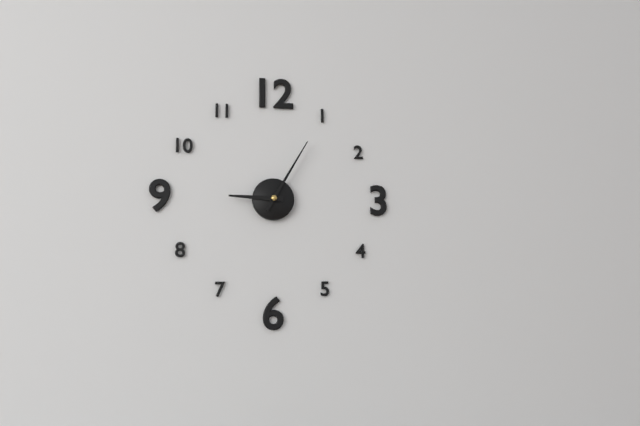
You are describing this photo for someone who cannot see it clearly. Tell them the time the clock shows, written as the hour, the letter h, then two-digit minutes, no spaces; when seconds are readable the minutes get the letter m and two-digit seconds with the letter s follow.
9h05
